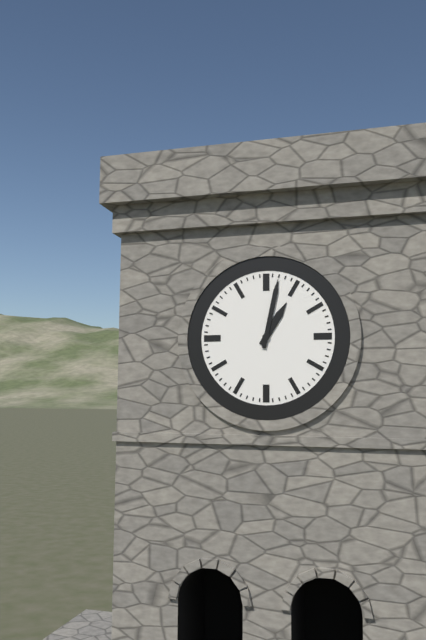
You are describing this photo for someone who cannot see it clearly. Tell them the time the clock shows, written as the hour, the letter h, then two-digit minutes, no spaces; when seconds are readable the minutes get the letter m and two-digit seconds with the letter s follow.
1h02
